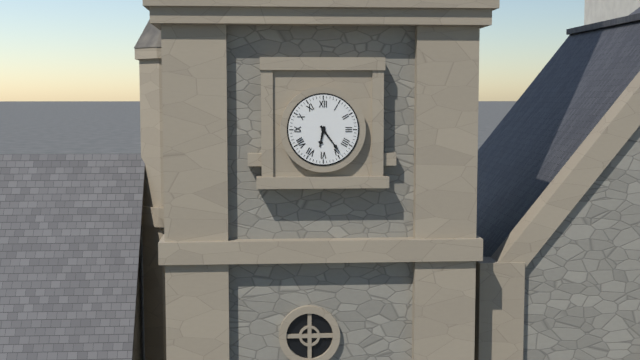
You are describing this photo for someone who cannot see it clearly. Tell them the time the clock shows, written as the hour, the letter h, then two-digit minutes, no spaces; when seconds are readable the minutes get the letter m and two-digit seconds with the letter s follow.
6h24
